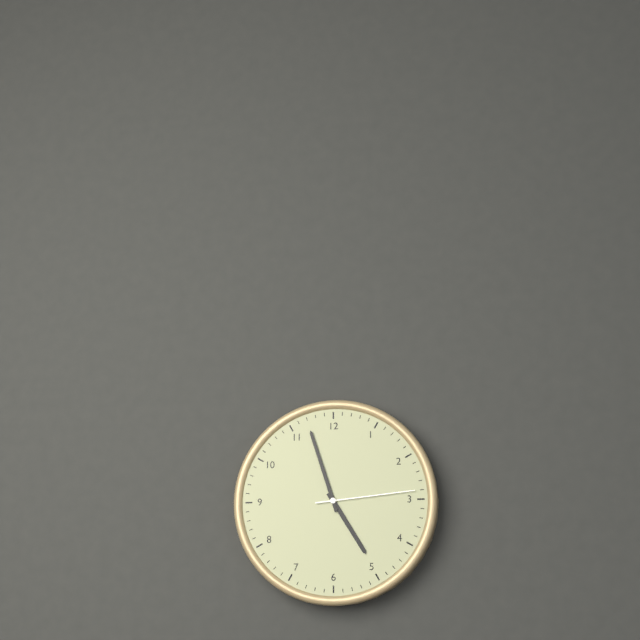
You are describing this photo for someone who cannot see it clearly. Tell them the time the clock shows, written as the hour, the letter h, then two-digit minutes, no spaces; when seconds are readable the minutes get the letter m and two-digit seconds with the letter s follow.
4h57m14s
